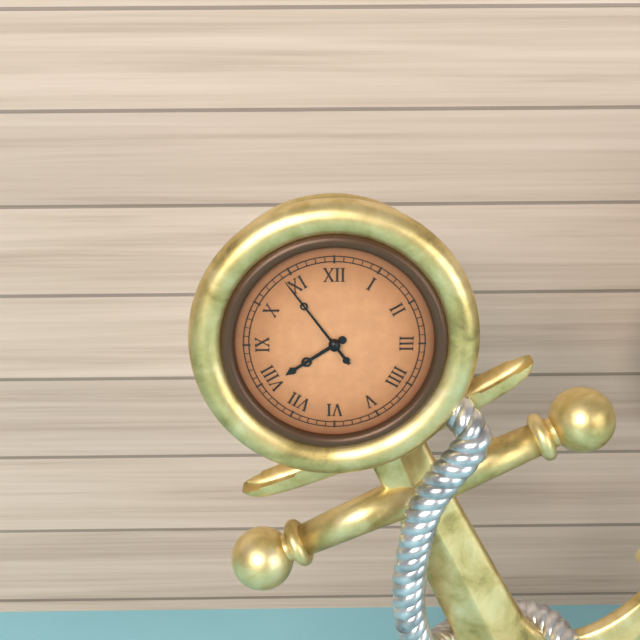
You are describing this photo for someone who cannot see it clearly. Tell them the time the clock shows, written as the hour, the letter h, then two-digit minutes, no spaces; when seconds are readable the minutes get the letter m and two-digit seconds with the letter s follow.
7h54
